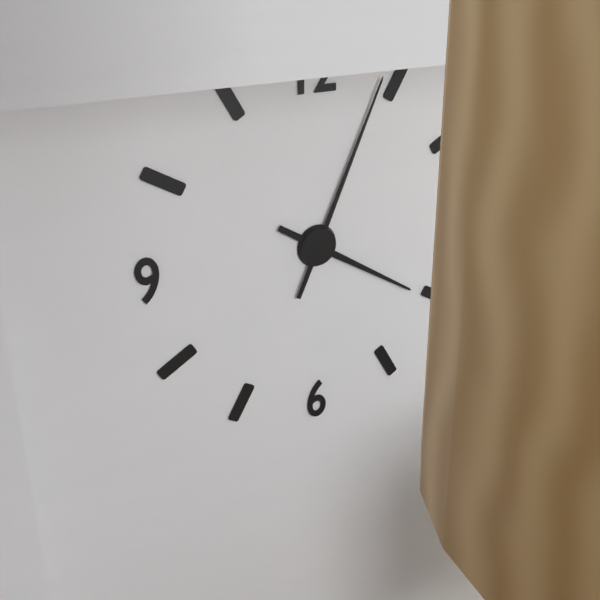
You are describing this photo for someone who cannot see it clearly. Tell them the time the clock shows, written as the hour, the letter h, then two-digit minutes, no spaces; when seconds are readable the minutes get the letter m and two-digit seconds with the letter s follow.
4h04
